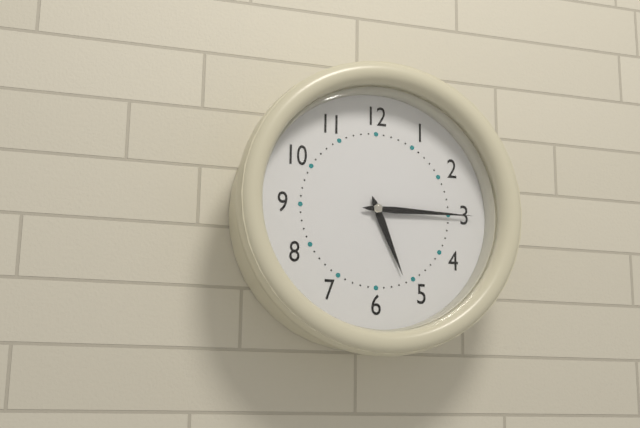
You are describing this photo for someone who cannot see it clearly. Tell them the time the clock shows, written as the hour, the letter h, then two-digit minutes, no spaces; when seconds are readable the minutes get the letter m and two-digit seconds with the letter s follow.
5h15
